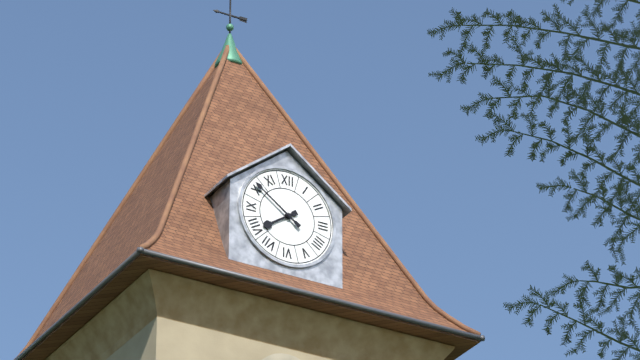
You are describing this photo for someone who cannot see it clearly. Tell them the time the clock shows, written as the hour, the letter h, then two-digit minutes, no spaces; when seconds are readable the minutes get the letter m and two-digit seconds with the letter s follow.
7h51
